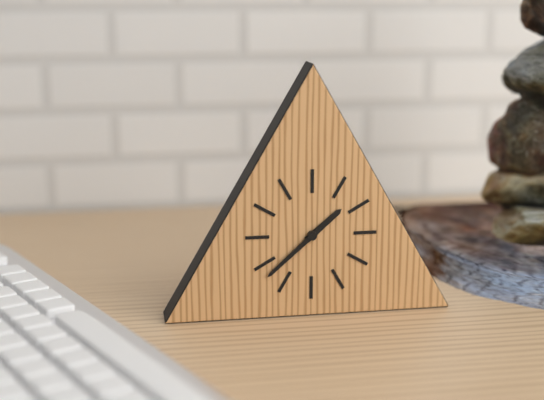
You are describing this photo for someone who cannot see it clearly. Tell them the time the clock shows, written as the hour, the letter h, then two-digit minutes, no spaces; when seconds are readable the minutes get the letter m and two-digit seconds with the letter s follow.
1h38
